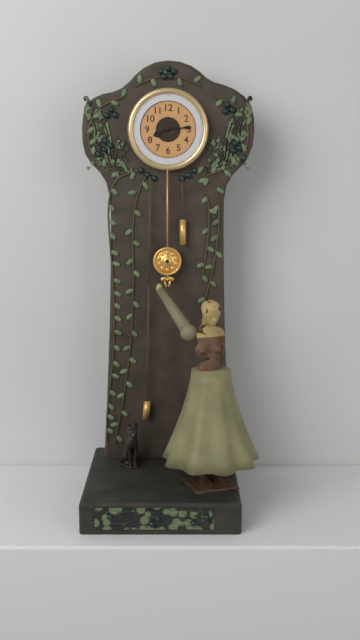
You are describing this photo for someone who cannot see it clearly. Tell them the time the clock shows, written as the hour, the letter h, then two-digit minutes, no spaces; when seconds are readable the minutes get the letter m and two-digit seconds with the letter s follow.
8h14
